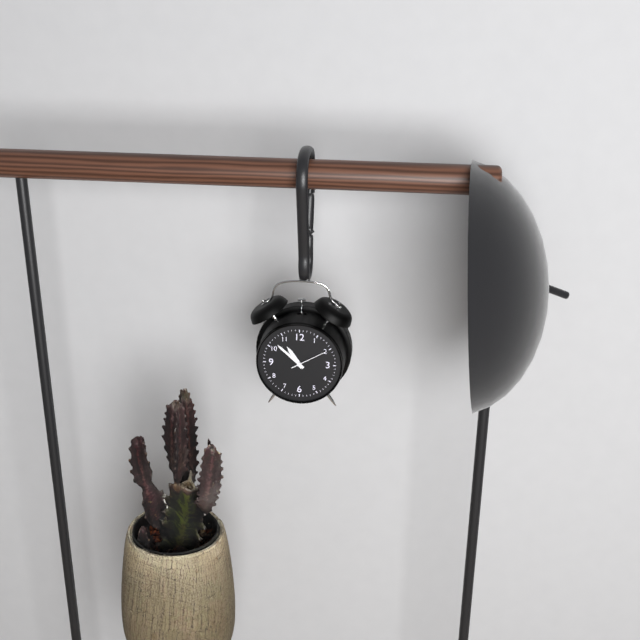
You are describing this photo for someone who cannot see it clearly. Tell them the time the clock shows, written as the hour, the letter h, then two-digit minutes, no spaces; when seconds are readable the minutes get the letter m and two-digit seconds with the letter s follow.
10h52
